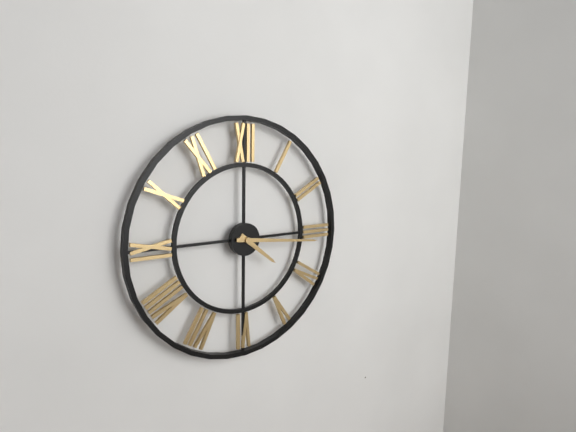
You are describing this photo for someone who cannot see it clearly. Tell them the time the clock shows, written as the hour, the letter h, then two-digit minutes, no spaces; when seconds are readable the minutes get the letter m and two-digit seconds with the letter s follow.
4h16
